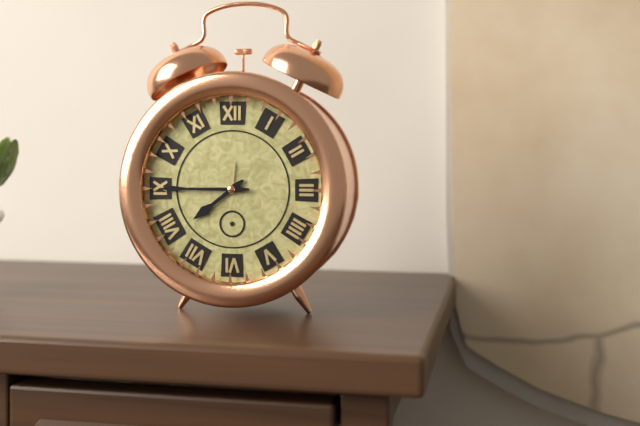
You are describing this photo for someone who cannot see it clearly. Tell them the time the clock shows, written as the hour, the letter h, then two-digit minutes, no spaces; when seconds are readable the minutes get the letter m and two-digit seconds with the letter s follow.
7h45
